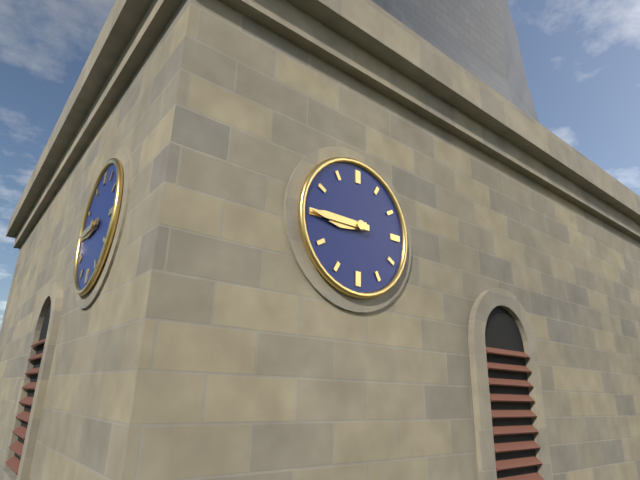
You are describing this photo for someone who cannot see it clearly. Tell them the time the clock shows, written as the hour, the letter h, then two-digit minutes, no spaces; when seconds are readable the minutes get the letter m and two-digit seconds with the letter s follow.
8h45
